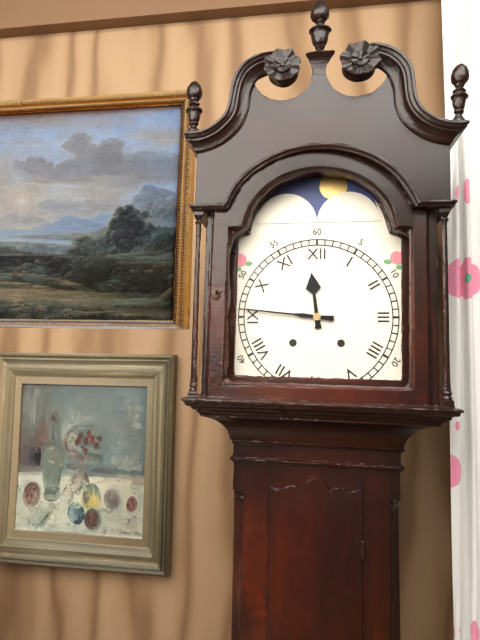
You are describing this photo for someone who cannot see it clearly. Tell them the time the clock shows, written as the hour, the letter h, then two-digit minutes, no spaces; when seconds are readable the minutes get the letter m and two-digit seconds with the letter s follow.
11h46
